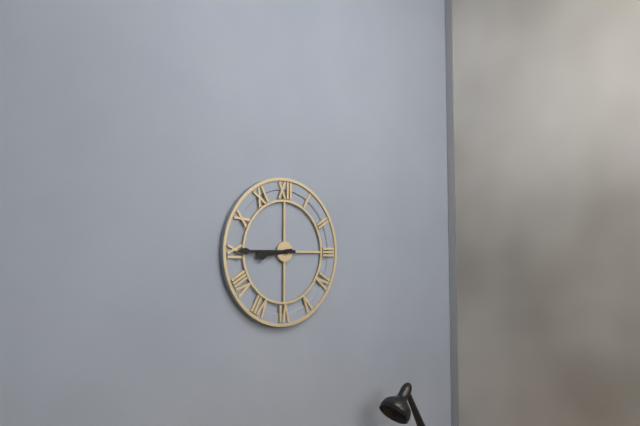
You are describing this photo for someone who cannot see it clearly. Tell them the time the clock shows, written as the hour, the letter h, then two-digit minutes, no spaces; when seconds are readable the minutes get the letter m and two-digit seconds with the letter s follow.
8h45
